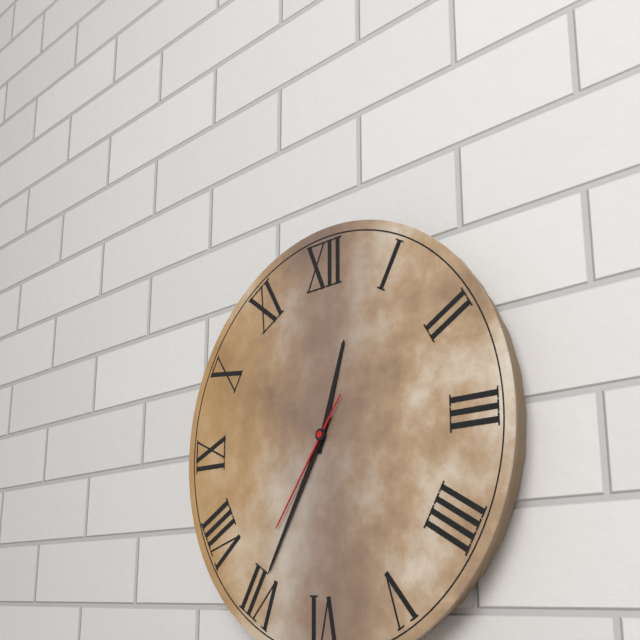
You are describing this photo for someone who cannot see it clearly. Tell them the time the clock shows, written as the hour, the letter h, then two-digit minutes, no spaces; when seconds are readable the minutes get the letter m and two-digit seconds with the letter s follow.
12h35m36s
